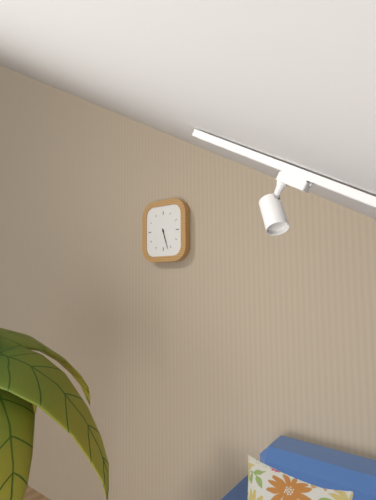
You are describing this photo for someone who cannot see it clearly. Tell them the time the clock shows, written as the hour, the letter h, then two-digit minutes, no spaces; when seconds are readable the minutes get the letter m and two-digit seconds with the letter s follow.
5h27
